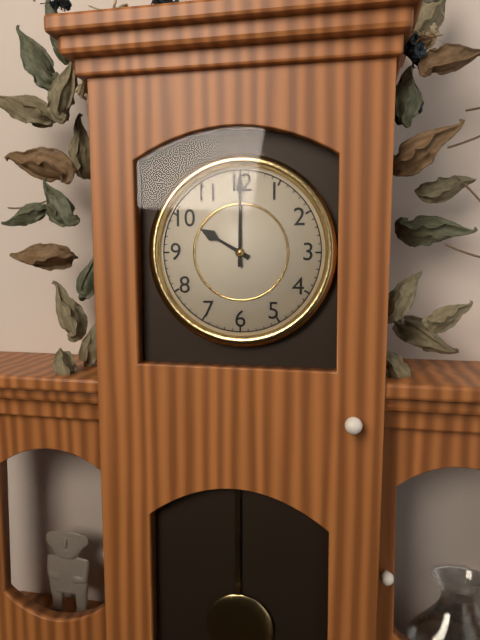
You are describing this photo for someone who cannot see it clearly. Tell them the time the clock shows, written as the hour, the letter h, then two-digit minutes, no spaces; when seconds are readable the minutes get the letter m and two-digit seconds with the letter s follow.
10h00
